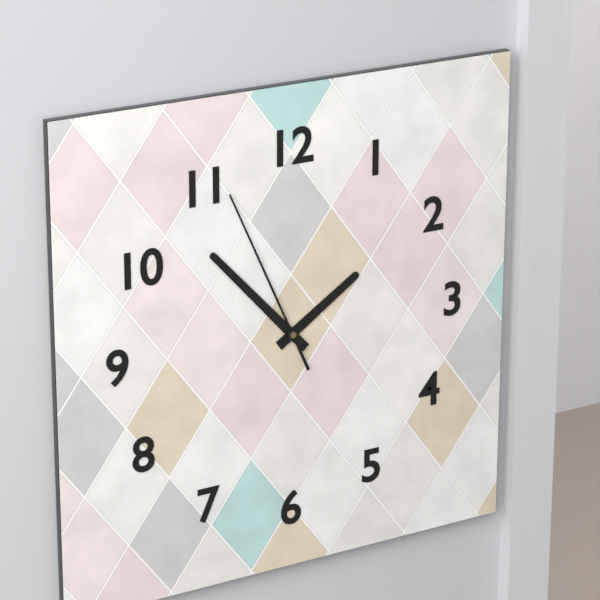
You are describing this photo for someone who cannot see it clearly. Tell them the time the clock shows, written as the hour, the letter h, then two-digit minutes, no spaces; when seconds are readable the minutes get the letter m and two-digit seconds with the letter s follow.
1h53m56s
